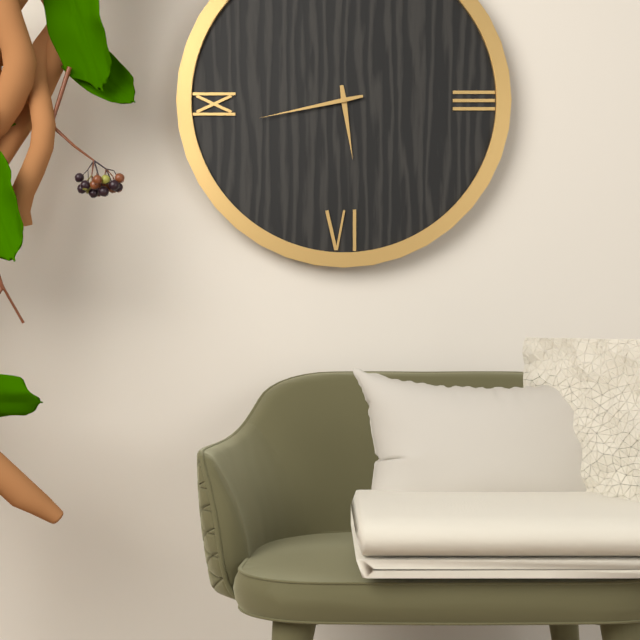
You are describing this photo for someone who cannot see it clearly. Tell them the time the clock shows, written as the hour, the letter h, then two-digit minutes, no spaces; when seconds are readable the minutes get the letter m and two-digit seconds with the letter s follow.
5h43
